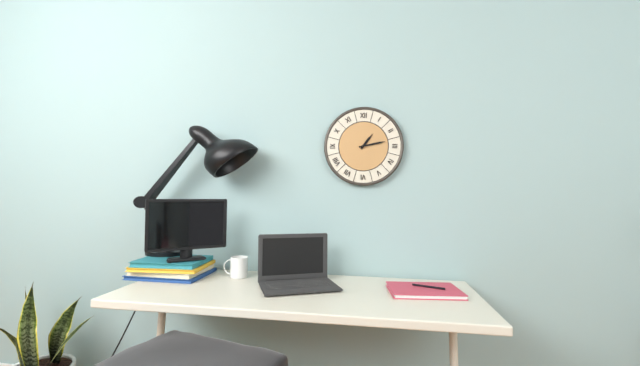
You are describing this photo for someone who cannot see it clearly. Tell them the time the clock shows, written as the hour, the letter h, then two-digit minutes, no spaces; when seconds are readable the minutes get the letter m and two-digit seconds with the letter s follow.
1h13
